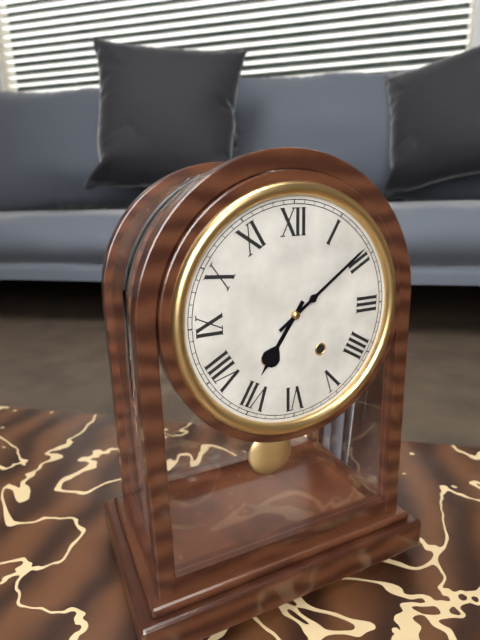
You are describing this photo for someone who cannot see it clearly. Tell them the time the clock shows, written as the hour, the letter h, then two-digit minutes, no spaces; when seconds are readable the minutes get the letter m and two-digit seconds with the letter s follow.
7h09
